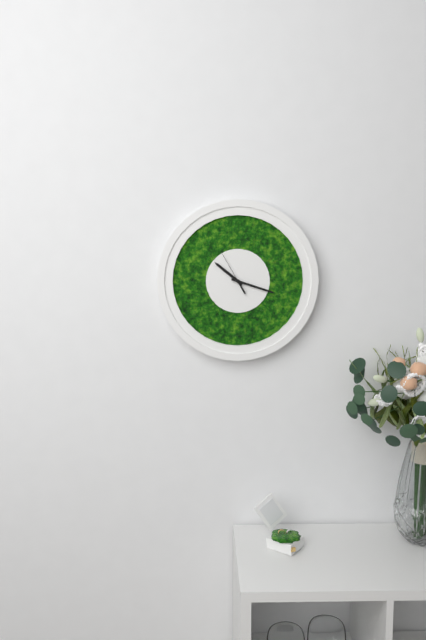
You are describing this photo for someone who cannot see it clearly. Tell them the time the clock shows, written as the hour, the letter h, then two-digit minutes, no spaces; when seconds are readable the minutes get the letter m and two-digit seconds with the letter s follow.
10h18
